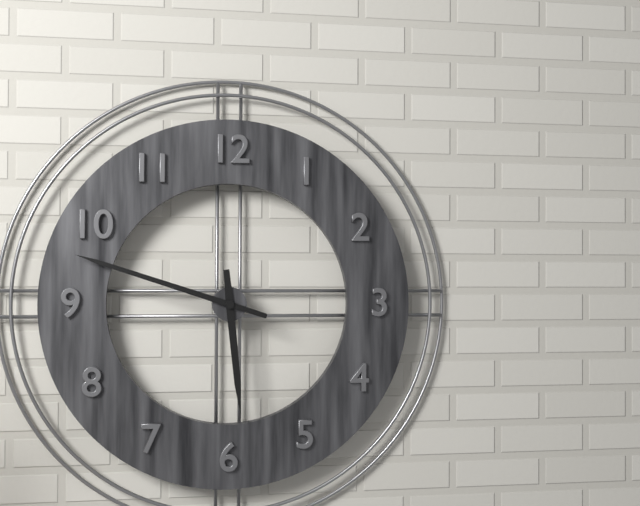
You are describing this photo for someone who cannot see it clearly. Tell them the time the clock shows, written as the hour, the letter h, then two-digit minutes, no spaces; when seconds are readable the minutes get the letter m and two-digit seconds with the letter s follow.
5h48
